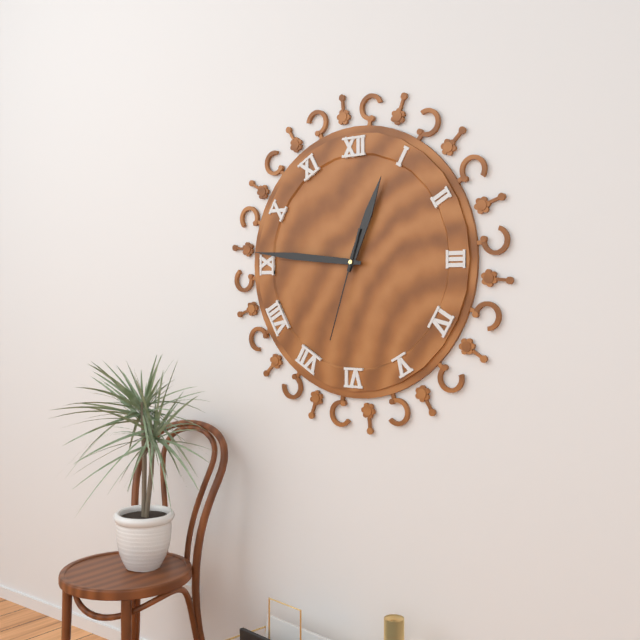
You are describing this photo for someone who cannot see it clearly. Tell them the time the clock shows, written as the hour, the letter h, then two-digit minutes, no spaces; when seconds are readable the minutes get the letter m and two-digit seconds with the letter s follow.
12h46m33s
